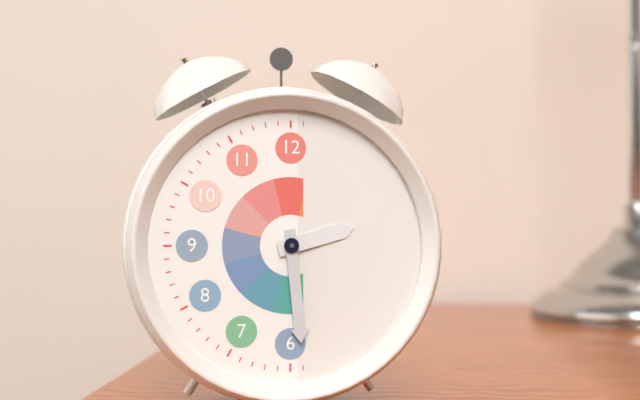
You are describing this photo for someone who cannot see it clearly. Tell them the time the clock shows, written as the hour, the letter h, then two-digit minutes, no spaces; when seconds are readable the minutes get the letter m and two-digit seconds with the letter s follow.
2h29
